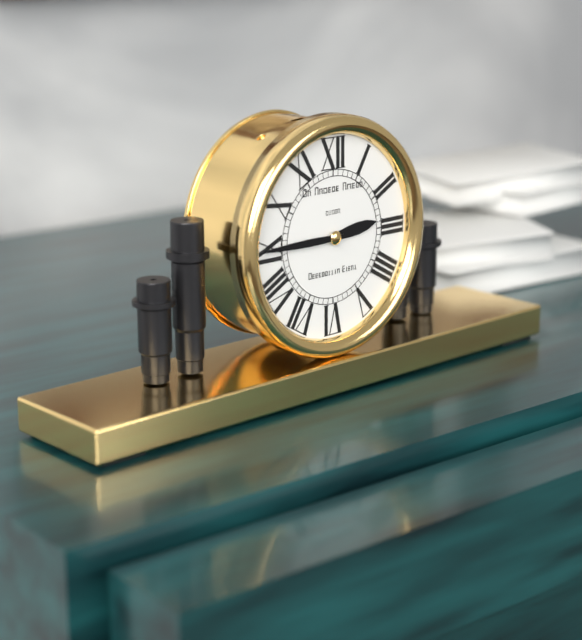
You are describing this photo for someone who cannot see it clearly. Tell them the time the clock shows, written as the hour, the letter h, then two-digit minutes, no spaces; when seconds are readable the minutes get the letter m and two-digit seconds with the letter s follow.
2h45
